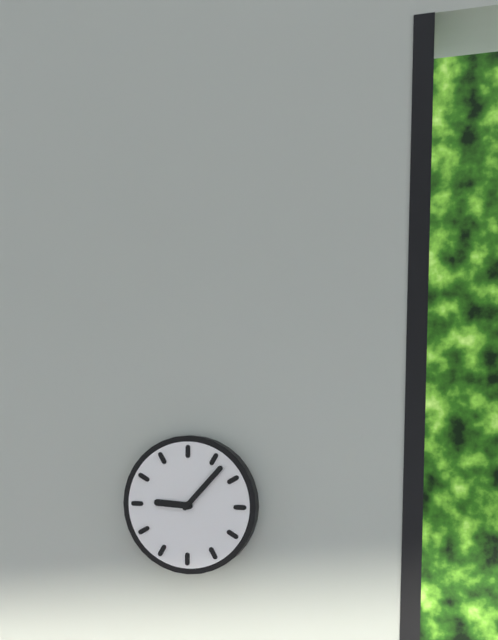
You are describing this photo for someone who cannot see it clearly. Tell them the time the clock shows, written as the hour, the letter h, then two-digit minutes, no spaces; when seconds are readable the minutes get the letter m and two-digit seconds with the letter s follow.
9h07
